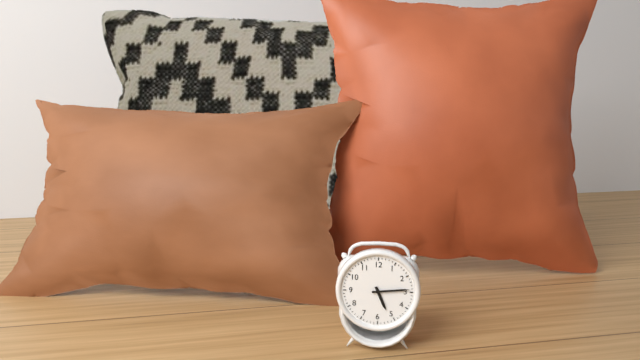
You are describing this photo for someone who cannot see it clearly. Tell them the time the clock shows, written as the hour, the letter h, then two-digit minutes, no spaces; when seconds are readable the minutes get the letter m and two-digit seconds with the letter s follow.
5h14
